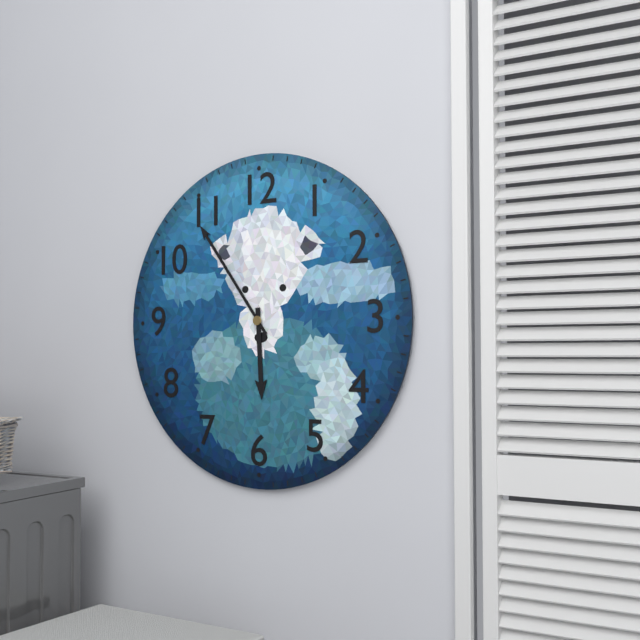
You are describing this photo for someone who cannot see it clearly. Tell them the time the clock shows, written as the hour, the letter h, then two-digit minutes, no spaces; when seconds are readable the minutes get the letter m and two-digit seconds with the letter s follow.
5h54
